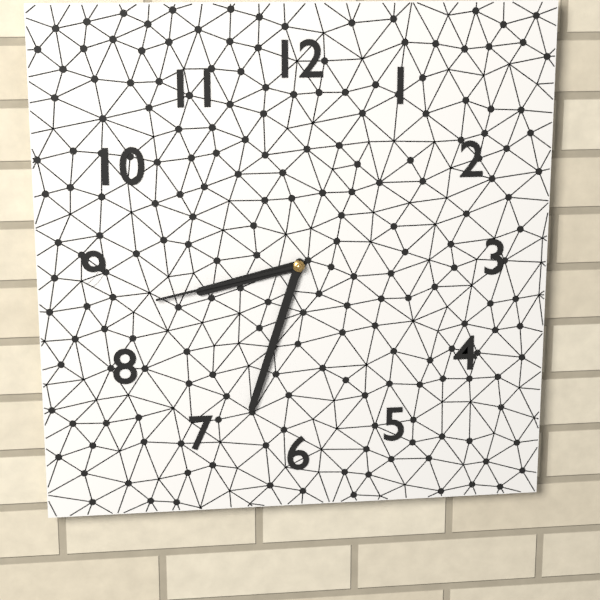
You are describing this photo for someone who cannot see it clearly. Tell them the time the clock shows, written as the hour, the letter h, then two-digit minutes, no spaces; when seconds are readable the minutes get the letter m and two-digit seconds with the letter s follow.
8h33m43s
